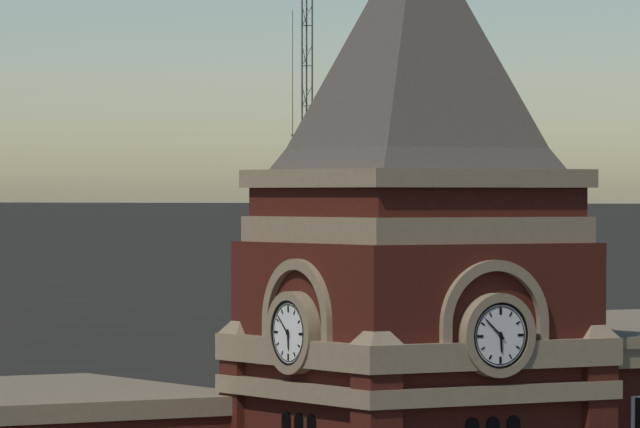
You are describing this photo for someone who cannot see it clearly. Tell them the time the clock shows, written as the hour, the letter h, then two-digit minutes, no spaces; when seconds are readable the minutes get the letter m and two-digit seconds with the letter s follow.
5h52
